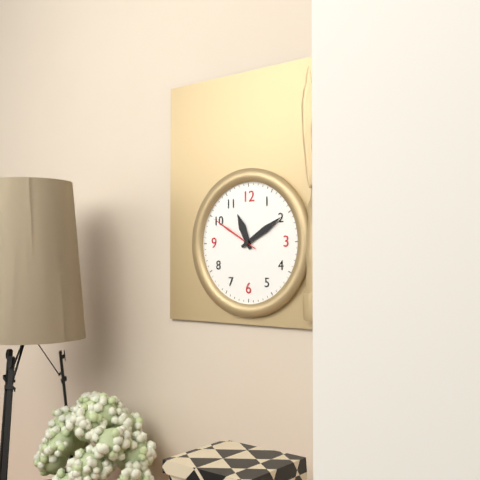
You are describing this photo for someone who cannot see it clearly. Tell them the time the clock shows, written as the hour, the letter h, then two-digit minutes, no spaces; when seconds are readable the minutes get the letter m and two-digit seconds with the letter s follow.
11h10m50s
